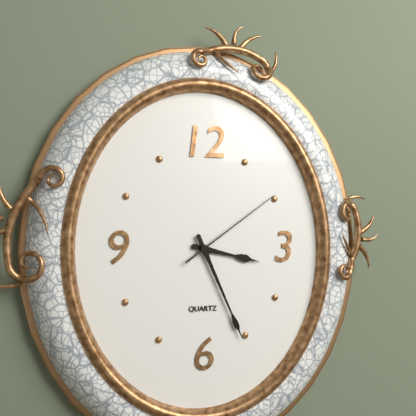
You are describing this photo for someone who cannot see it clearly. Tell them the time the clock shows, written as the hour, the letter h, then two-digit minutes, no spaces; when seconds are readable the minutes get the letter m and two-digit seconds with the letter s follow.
3h26m09s
